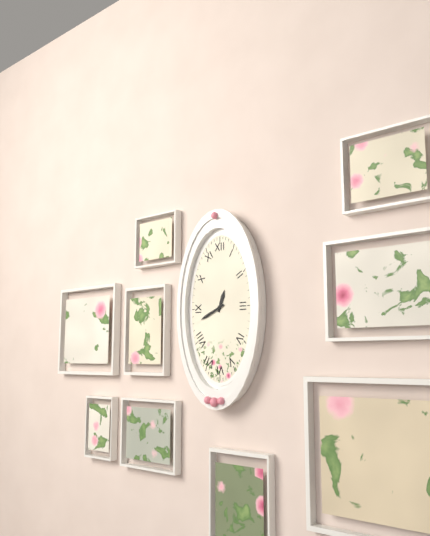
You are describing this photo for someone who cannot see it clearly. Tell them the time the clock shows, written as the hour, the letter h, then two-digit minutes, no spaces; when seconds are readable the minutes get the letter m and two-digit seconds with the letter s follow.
12h41
